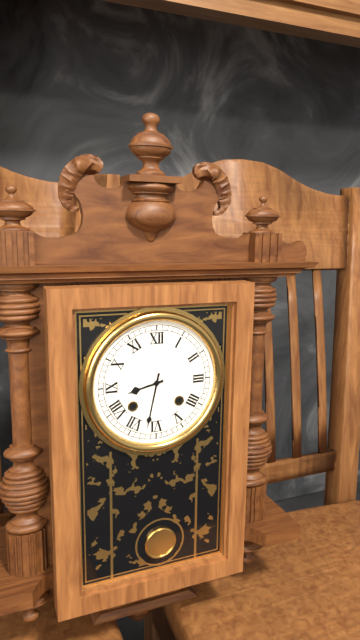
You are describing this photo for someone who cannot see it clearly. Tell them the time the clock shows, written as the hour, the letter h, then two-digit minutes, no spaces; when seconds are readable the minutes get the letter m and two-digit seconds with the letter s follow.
8h32
